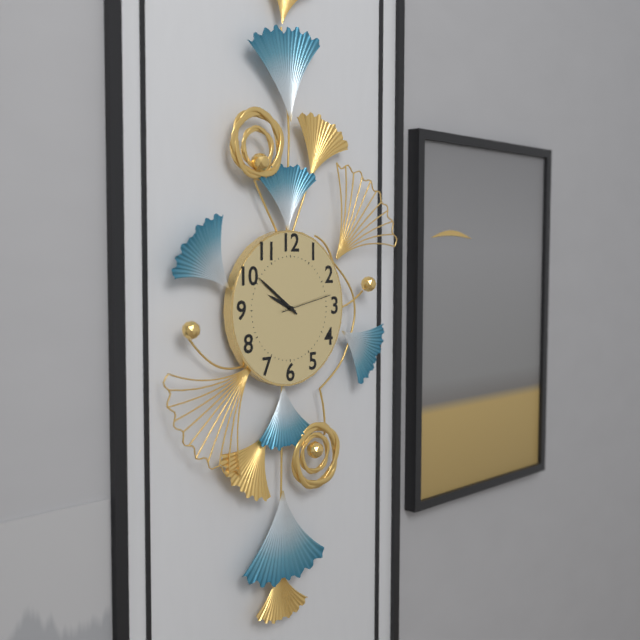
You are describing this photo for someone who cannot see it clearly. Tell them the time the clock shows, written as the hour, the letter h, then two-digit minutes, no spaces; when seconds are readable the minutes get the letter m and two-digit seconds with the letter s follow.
9h51m13s
